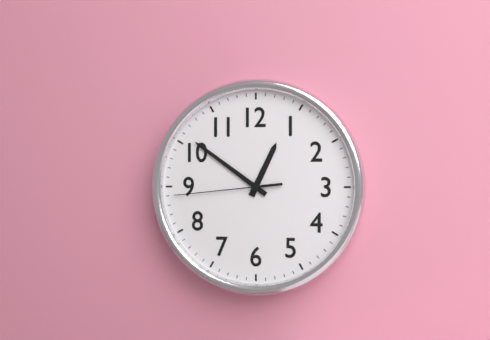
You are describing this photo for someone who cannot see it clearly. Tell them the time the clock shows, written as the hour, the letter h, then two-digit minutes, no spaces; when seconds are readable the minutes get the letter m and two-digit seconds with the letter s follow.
12h51m44s
